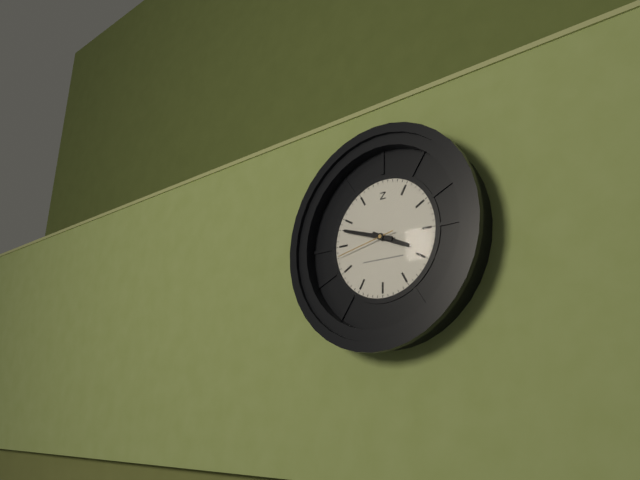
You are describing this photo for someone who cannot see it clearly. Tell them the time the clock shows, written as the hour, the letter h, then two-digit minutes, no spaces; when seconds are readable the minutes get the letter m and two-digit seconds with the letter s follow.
3h48m43s
